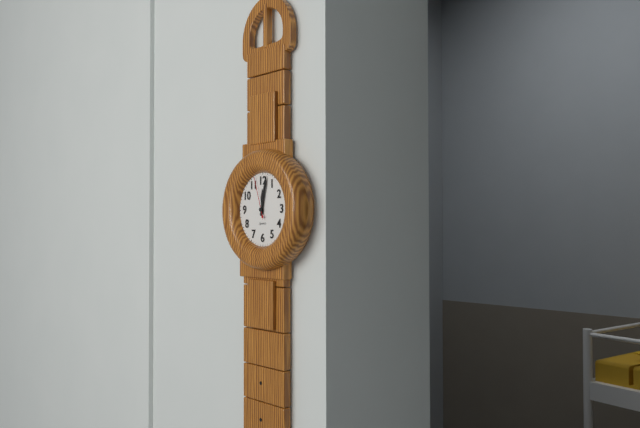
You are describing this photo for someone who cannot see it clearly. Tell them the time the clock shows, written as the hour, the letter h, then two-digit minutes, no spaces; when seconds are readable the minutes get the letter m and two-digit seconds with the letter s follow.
12h02
